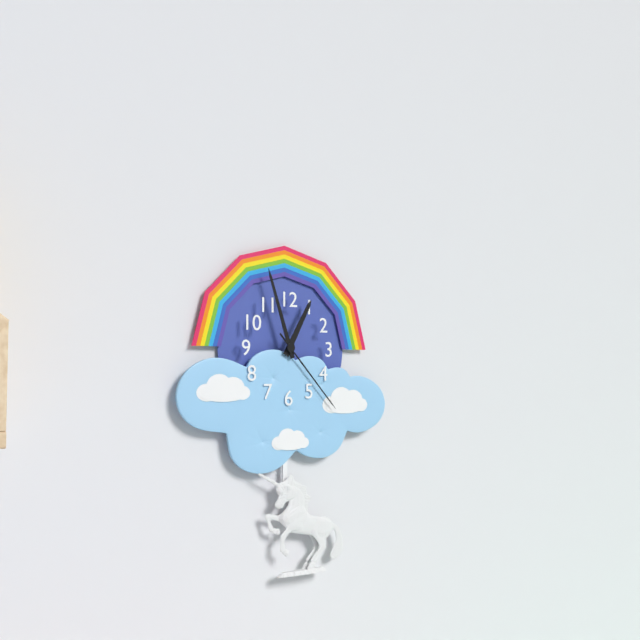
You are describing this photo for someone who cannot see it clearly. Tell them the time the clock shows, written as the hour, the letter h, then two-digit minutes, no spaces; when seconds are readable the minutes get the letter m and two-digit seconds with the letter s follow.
12h57m23s
